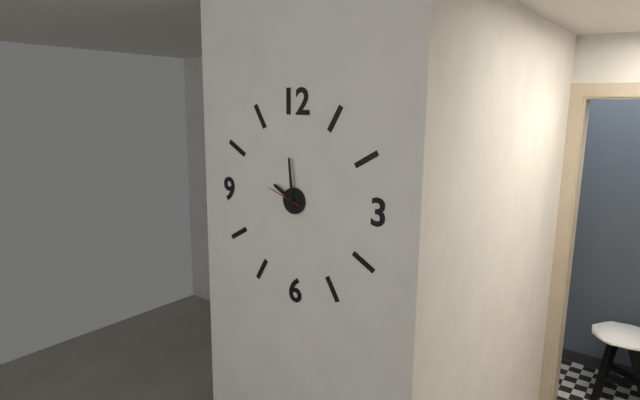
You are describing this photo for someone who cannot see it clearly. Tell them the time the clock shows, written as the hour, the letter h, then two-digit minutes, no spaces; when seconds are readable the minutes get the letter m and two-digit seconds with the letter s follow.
9h59
